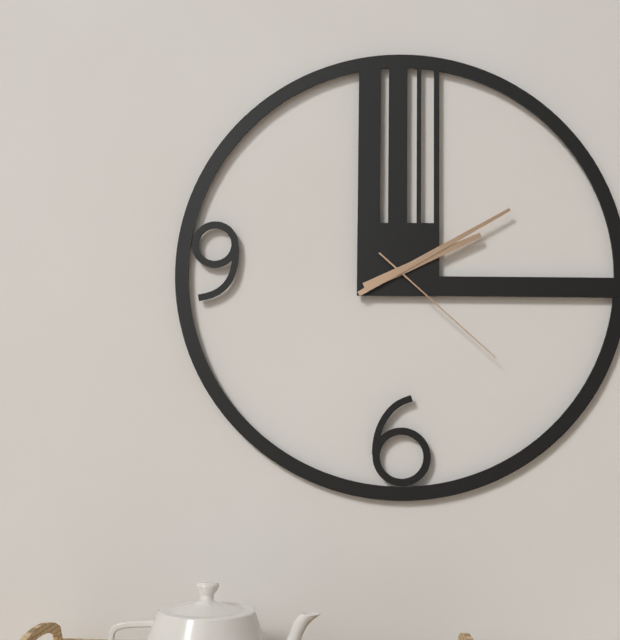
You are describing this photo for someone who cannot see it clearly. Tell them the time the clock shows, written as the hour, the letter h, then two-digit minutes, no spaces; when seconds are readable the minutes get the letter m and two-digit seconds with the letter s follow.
2h10m22s
